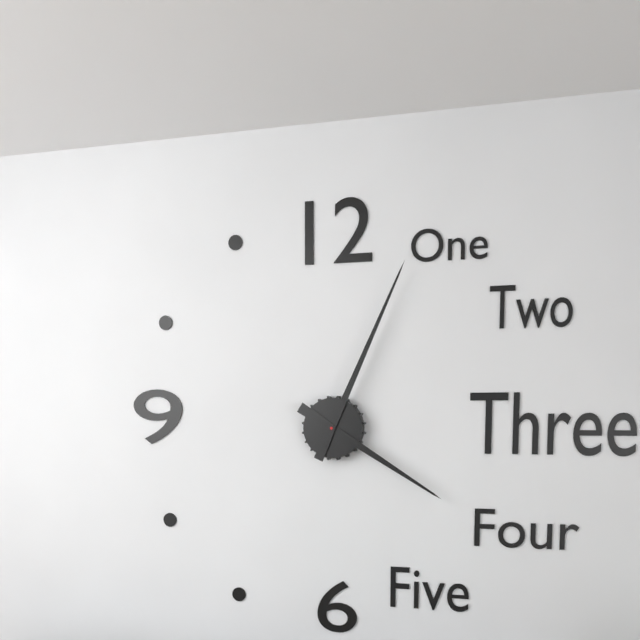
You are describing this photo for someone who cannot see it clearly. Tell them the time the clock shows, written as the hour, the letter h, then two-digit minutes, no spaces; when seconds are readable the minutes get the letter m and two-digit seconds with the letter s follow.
4h04
